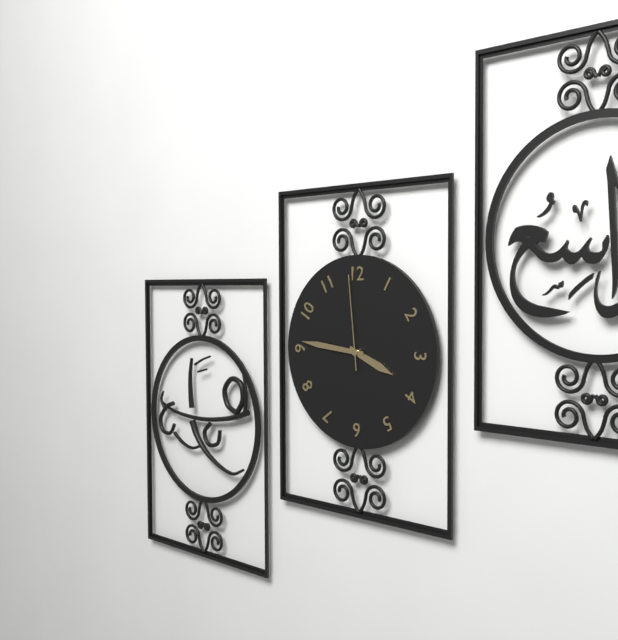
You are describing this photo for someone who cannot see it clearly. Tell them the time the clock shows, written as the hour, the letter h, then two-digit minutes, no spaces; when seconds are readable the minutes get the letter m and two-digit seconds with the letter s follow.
3h46m59s
